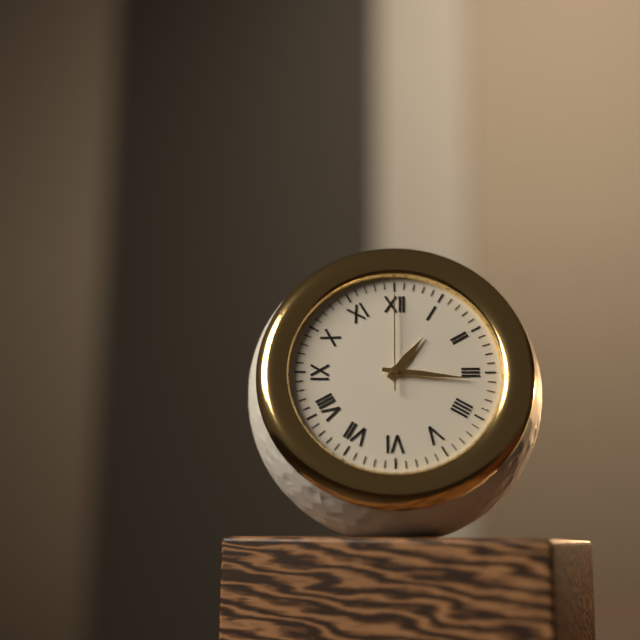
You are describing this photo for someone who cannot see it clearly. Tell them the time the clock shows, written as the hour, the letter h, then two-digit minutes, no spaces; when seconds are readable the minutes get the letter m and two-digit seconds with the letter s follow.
1h16m00s
